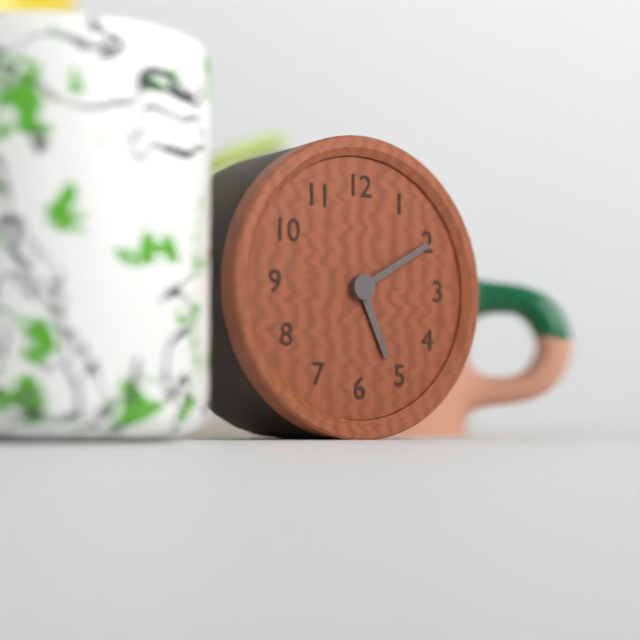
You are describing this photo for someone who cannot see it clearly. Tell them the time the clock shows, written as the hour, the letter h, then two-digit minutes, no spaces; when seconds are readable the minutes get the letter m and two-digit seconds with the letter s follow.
5h10
